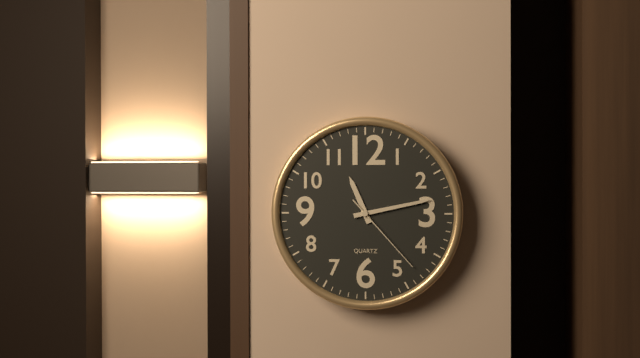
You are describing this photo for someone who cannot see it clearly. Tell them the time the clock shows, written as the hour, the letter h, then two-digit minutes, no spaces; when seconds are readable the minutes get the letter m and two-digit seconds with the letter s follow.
11h13m23s
